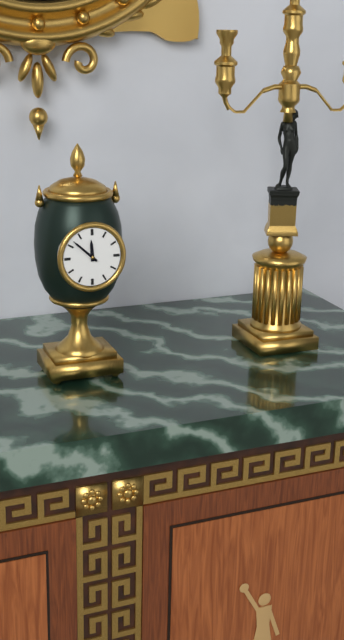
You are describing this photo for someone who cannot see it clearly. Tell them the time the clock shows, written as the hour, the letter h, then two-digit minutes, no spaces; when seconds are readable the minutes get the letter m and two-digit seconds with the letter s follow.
11h52
